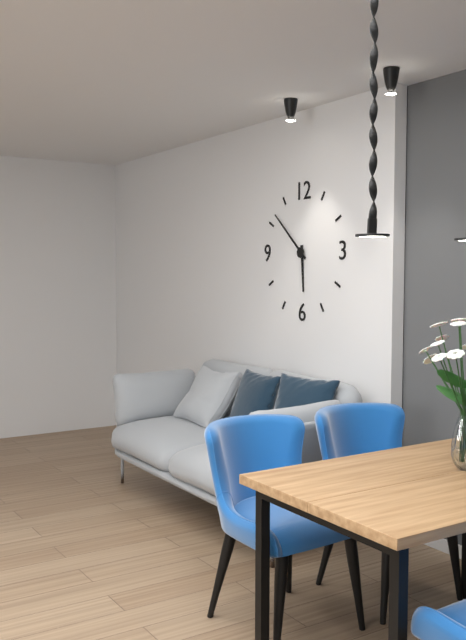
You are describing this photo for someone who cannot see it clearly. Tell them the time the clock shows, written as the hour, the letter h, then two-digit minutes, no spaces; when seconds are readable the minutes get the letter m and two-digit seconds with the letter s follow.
5h52
